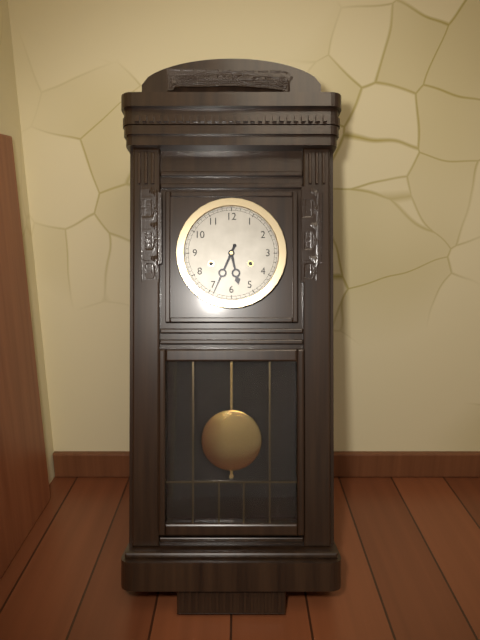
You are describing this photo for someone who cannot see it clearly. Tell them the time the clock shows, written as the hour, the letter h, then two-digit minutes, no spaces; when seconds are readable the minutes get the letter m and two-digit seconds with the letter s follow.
5h34
